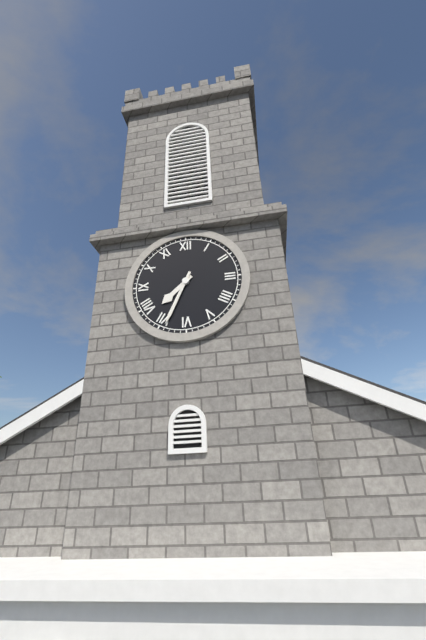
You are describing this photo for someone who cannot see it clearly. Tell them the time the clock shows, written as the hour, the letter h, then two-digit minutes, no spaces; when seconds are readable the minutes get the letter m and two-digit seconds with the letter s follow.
7h34
